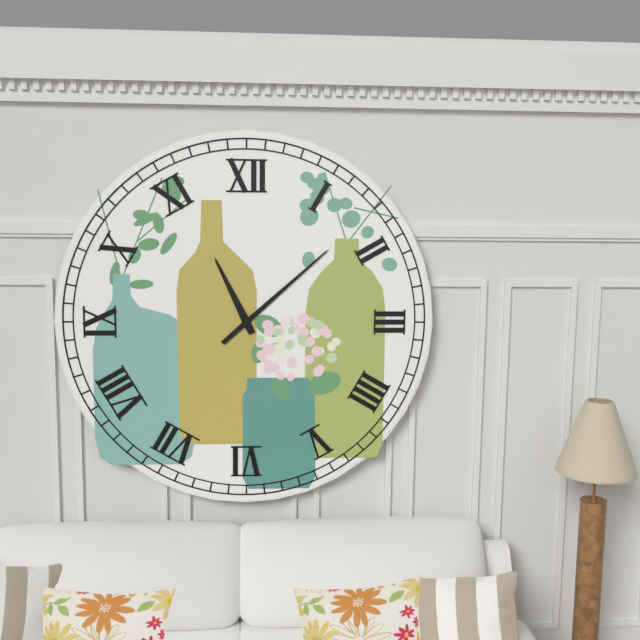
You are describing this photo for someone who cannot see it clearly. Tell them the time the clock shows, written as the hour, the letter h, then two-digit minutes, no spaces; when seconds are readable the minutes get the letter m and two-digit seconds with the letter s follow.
11h08
